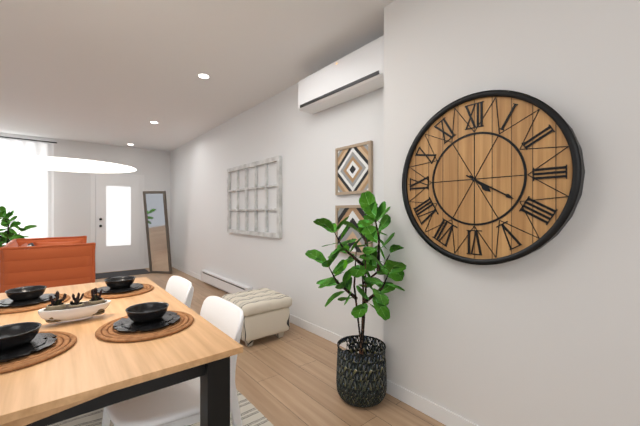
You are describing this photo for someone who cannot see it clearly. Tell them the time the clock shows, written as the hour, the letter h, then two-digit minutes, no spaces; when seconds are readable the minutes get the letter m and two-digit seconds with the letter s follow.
4h20
